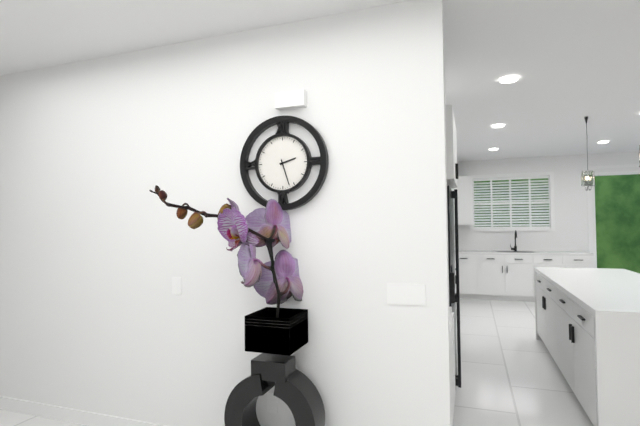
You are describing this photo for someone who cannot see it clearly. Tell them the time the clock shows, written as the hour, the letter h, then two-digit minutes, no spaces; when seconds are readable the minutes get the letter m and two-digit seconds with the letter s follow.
2h27
